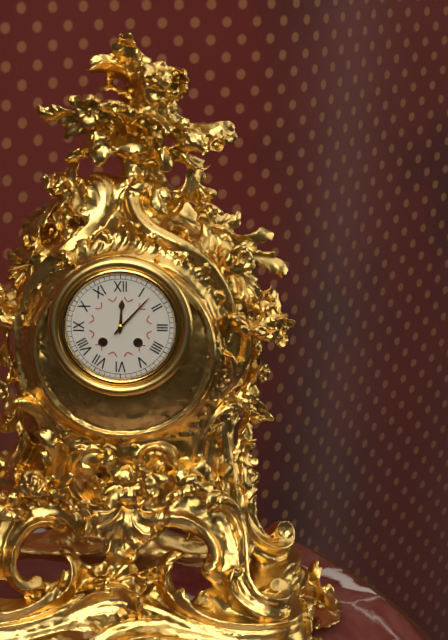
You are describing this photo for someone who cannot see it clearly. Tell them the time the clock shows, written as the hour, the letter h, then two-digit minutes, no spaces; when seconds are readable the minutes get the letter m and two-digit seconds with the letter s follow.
12h07
